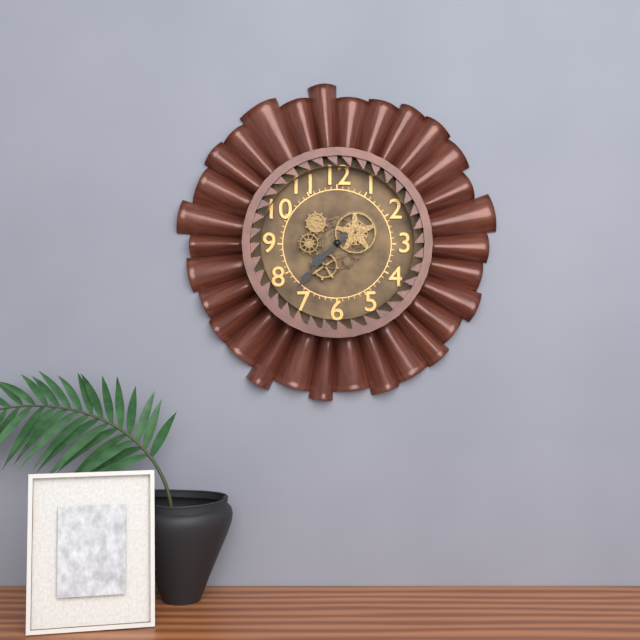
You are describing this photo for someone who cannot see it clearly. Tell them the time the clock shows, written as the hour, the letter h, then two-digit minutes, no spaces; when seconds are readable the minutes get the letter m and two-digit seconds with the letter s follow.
7h37
